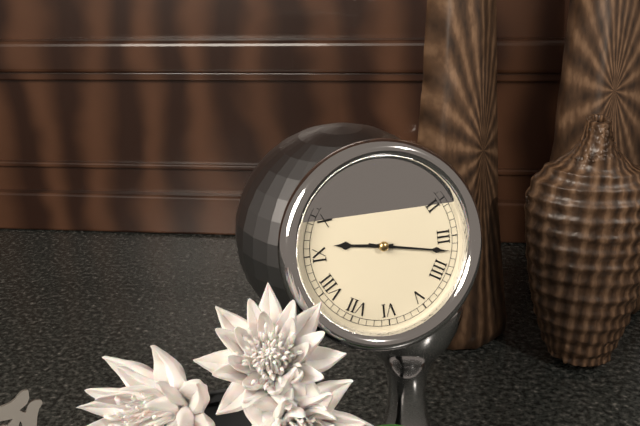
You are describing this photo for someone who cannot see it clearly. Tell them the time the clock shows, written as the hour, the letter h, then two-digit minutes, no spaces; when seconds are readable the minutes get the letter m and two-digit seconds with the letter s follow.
9h17
